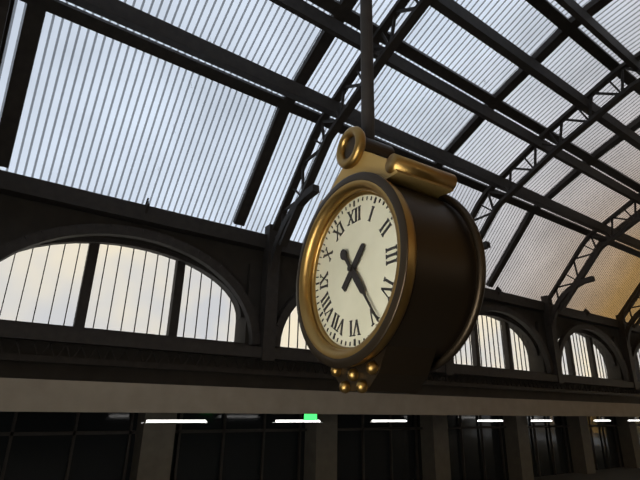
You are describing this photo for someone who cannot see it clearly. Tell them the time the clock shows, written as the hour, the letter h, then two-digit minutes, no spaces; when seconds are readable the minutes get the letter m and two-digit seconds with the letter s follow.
1h24
